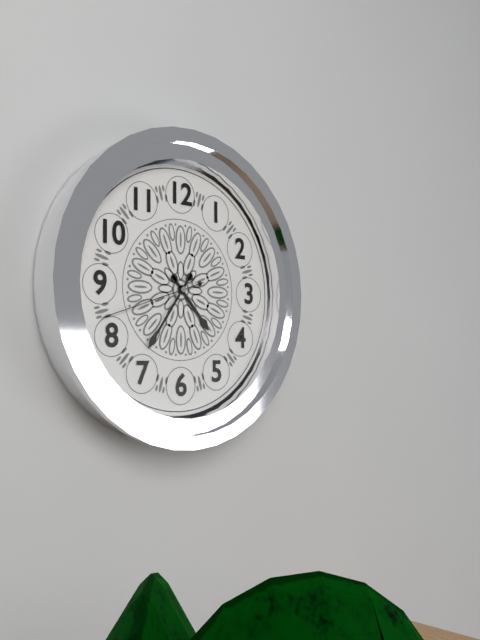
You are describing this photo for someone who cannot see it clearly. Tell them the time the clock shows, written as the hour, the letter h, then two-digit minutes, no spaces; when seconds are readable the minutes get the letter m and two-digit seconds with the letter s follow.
4h36m42s
